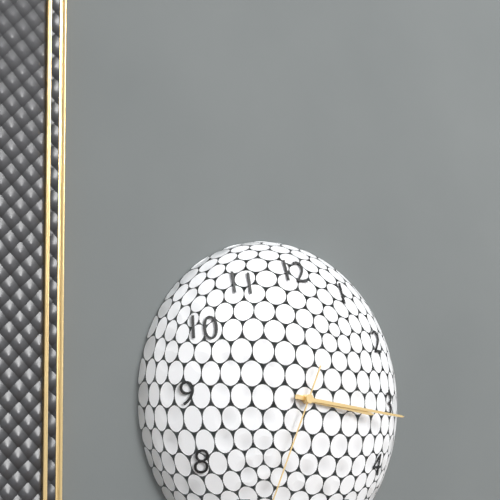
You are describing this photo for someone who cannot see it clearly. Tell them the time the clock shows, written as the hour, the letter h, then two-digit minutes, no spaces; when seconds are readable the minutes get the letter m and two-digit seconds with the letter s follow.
3h16
